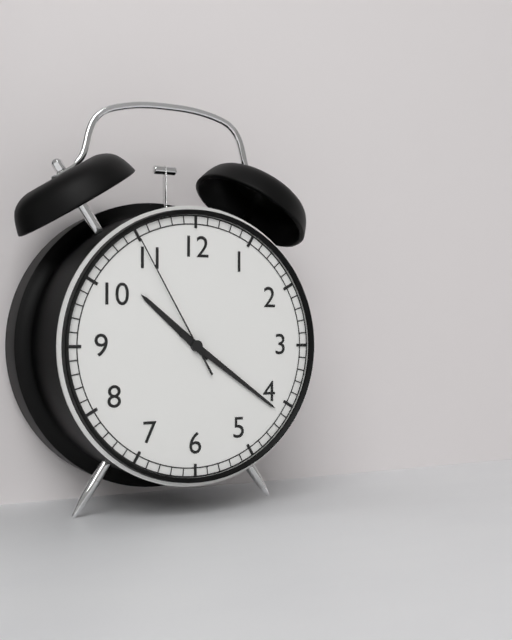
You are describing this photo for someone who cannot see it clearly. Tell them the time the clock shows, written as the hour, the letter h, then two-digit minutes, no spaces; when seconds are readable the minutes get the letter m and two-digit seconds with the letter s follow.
10h21m55s
